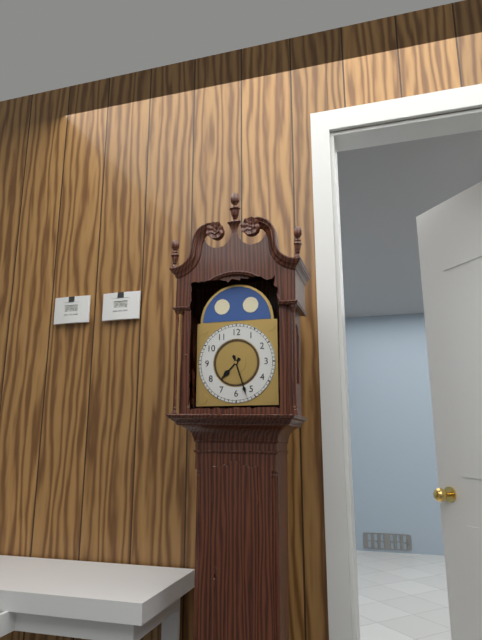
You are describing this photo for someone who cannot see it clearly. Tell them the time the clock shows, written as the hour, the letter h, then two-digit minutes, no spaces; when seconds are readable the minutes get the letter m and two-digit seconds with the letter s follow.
7h27
